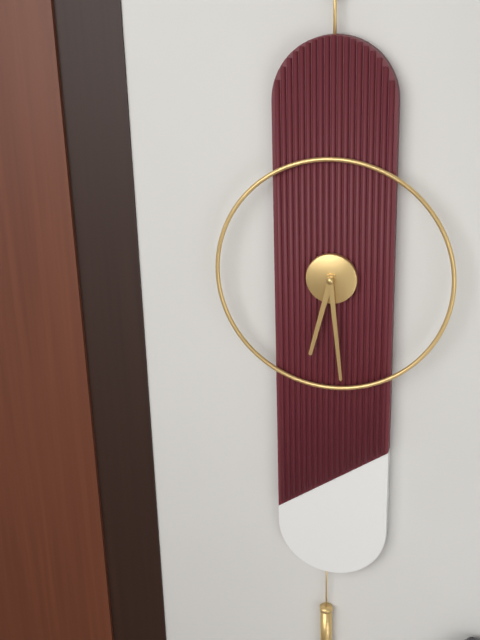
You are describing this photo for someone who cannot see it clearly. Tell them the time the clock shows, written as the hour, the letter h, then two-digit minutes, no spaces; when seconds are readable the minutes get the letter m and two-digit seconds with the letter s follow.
6h29
